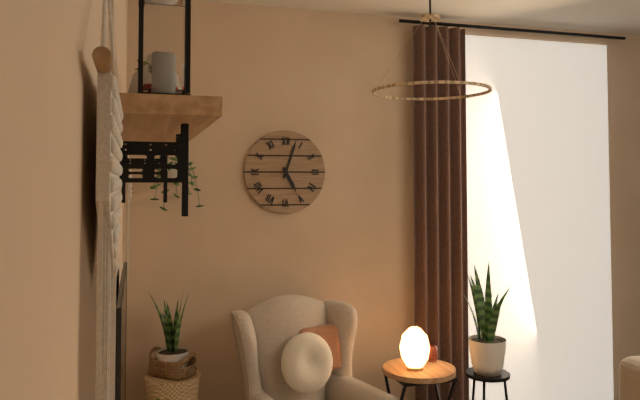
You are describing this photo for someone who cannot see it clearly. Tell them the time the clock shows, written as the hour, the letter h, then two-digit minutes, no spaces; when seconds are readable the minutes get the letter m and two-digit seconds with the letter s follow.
5h03
